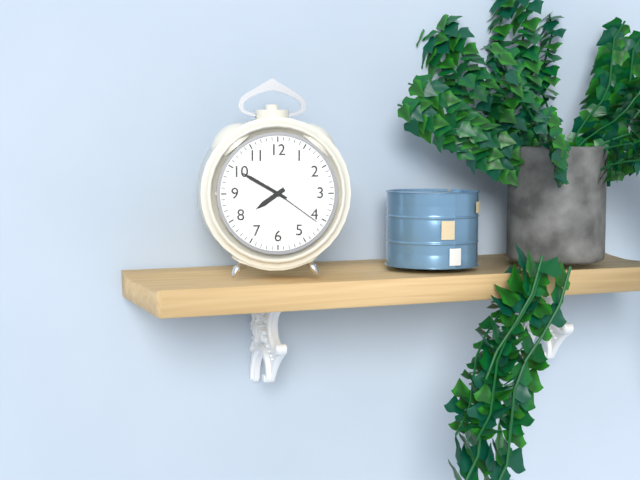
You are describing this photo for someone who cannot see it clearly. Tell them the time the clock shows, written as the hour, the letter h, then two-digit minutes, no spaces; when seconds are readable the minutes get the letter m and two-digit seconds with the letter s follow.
7h50m21s
